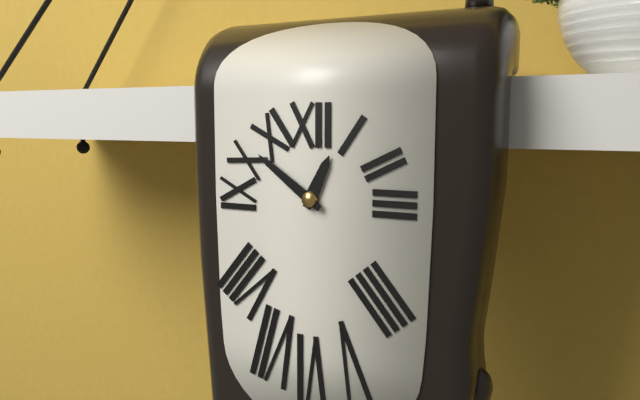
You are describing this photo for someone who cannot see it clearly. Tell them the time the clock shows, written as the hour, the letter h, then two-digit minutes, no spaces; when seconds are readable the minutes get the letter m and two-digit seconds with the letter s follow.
12h51
